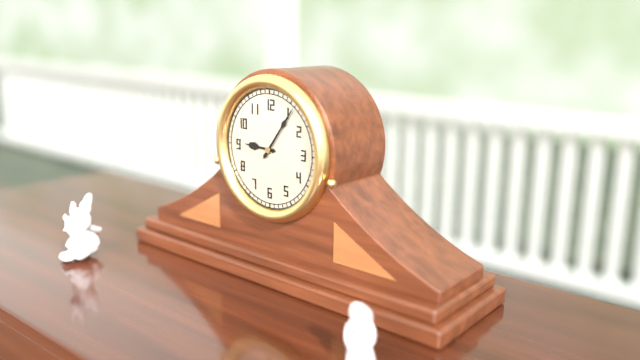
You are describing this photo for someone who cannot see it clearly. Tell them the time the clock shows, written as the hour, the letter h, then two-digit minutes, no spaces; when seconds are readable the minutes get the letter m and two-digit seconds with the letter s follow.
9h06
